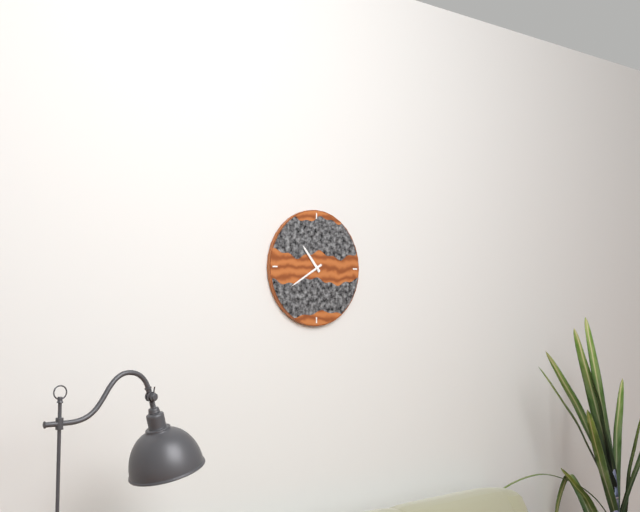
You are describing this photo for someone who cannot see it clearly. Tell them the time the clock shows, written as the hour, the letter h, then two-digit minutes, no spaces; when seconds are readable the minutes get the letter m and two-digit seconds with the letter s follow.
10h40
